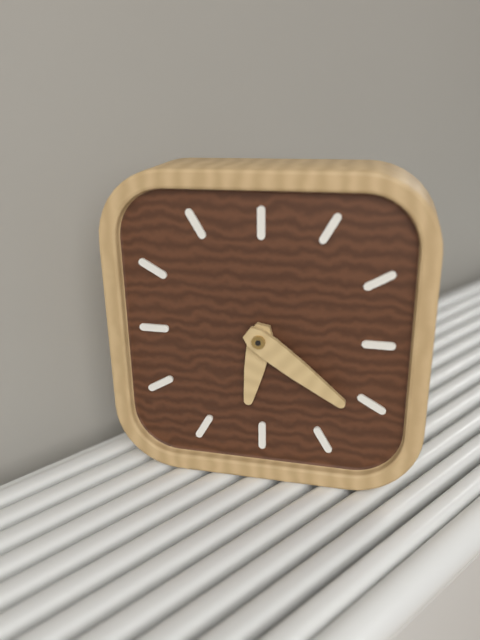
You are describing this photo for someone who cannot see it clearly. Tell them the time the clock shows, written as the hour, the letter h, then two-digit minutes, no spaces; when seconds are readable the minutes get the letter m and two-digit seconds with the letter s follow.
6h21
